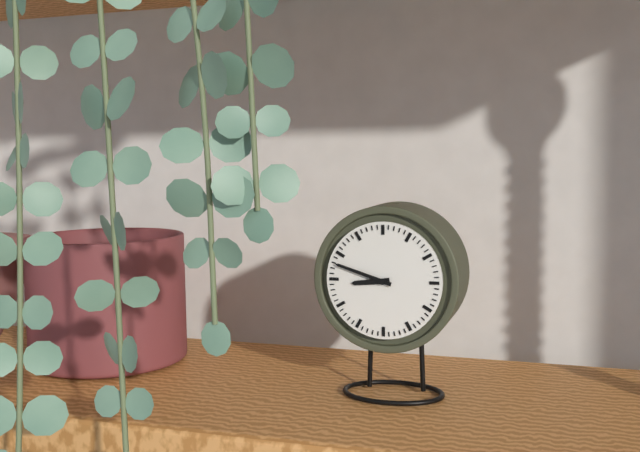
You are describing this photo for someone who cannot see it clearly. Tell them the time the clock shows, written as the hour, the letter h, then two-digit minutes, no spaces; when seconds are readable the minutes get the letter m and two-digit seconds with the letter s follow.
8h48
